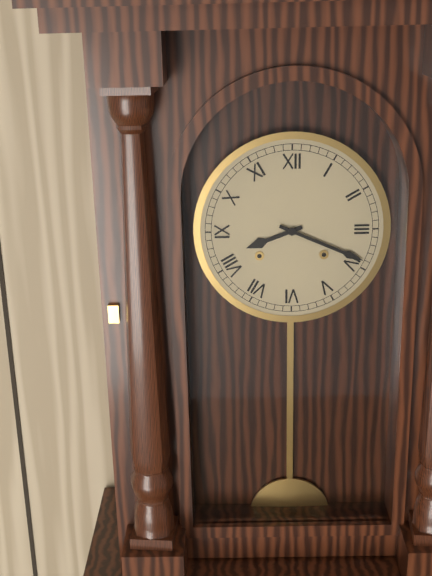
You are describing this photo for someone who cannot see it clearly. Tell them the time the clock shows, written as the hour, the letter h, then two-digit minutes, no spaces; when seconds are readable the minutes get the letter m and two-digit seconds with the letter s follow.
8h19
